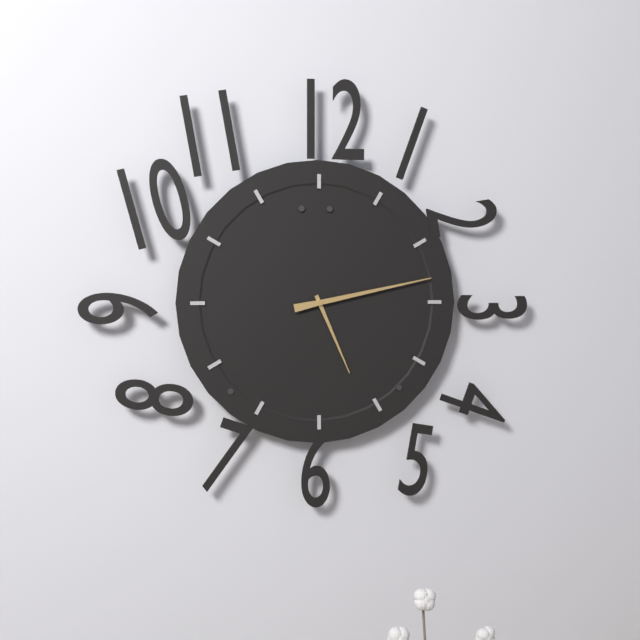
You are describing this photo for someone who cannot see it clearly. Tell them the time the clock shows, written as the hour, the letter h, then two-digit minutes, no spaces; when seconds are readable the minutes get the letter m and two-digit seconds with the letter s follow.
5h13
